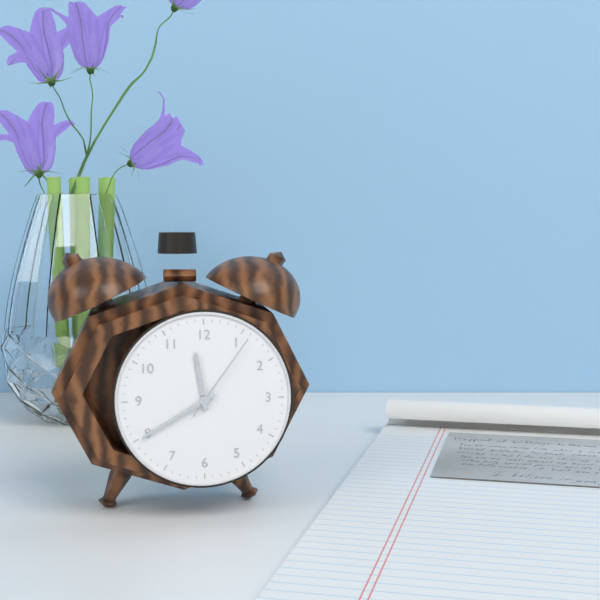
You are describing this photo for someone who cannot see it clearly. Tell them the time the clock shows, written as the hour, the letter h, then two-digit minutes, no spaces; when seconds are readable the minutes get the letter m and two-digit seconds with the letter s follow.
11h40m06s
